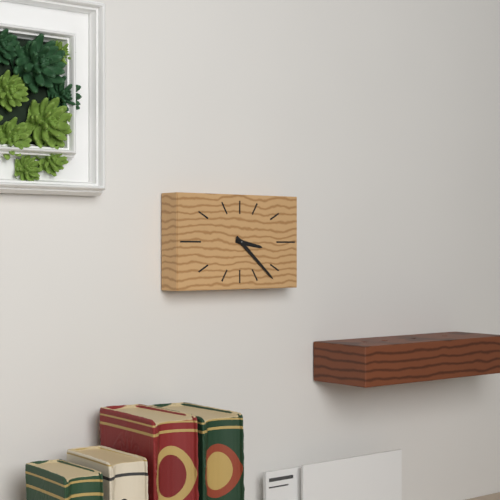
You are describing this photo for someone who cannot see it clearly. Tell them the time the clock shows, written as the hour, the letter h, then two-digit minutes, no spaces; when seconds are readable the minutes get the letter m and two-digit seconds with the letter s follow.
3h22
